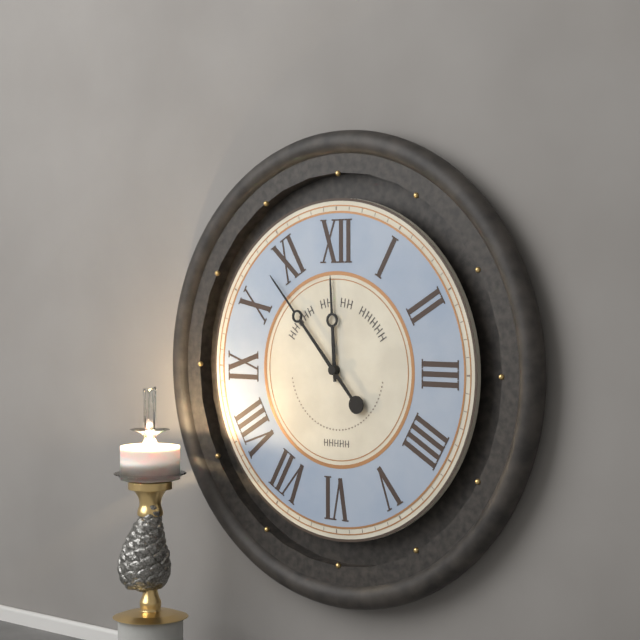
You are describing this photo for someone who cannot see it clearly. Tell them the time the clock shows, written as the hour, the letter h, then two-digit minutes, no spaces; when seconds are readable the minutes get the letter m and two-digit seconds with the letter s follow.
11h53
